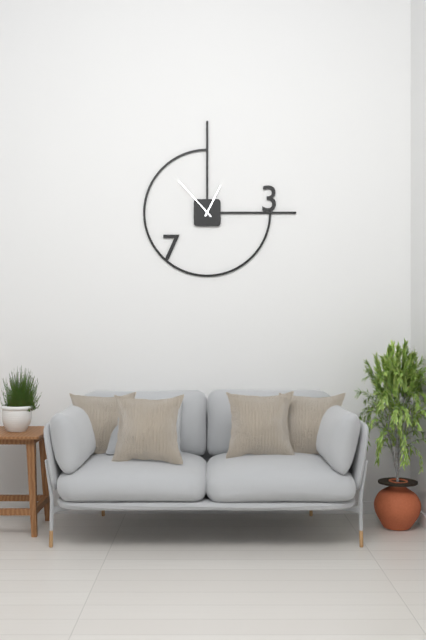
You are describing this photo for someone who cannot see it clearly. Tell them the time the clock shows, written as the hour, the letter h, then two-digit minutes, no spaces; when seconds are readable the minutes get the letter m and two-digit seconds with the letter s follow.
12h53
